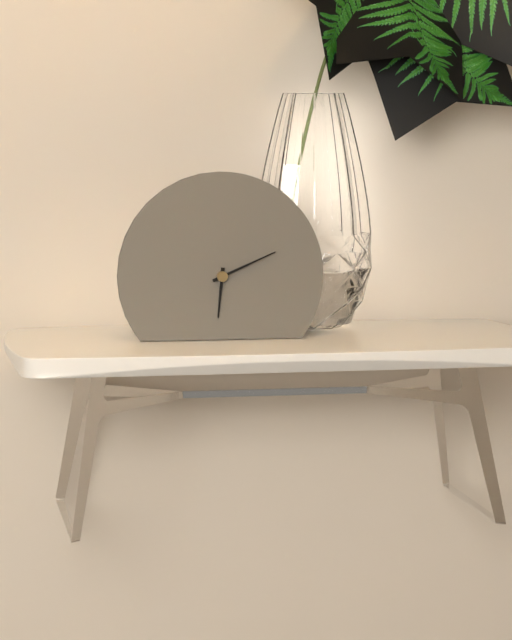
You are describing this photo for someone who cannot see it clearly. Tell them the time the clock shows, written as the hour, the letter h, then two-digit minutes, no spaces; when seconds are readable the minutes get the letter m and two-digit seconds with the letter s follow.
6h11
